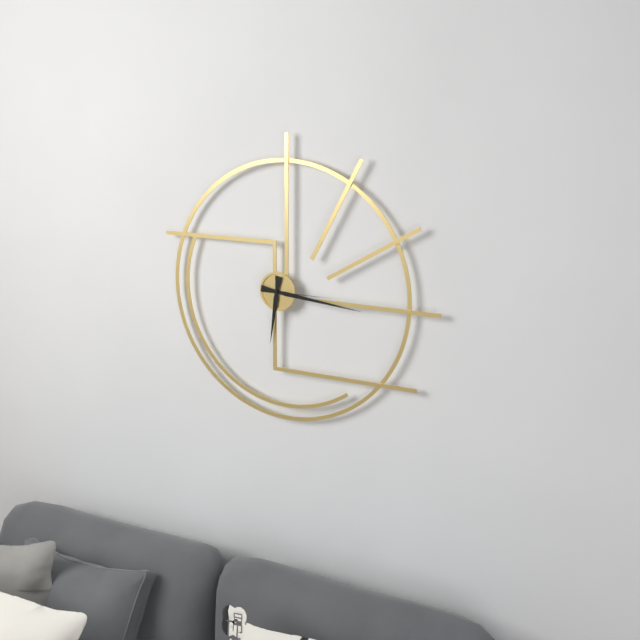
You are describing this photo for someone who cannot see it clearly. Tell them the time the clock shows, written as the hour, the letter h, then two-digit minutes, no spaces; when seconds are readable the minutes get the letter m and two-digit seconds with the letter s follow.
6h16m15s
